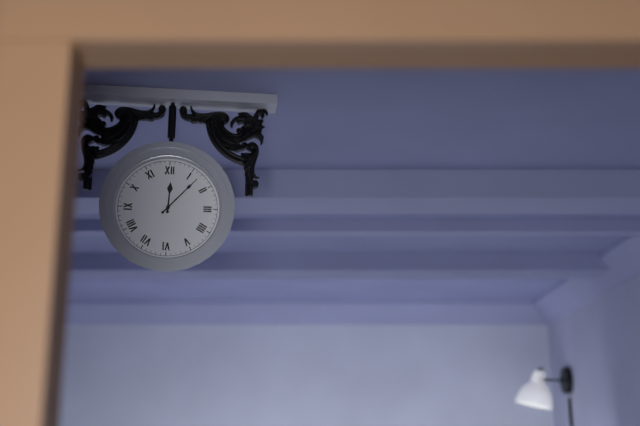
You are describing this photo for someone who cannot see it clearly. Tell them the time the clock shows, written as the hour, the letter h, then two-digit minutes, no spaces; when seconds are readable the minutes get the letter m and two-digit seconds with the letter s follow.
12h07
